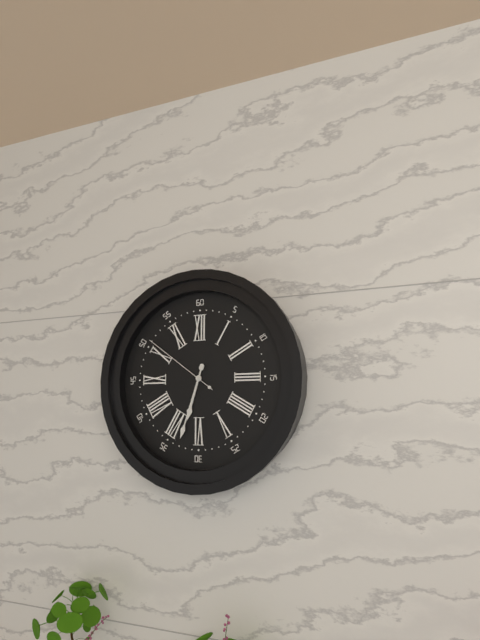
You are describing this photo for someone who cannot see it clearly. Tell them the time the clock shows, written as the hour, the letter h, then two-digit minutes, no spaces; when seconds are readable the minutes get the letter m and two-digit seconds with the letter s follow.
6h33m51s
